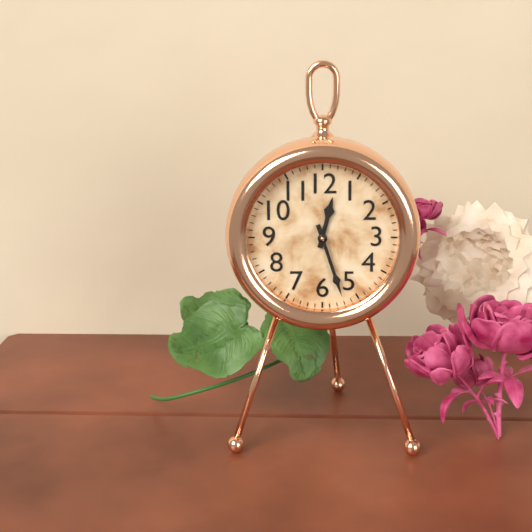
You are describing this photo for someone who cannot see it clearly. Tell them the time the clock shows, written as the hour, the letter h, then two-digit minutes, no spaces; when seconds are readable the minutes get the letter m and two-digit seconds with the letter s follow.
12h27
